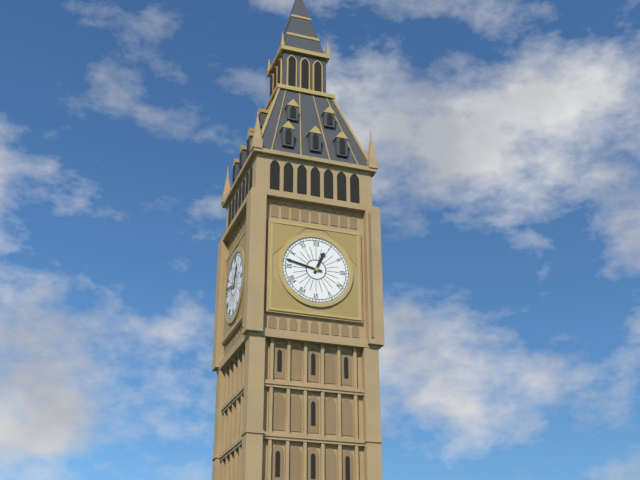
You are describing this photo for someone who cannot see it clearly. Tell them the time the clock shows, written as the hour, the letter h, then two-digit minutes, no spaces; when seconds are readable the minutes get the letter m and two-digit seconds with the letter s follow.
12h47
